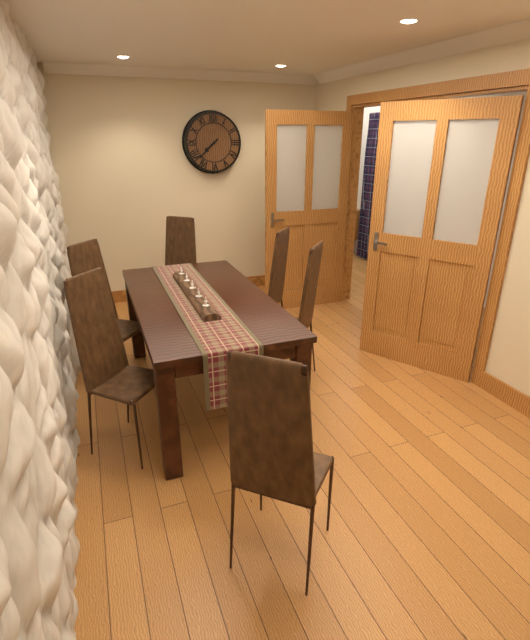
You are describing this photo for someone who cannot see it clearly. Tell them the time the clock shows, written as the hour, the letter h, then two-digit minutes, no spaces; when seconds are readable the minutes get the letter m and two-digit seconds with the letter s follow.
7h38
